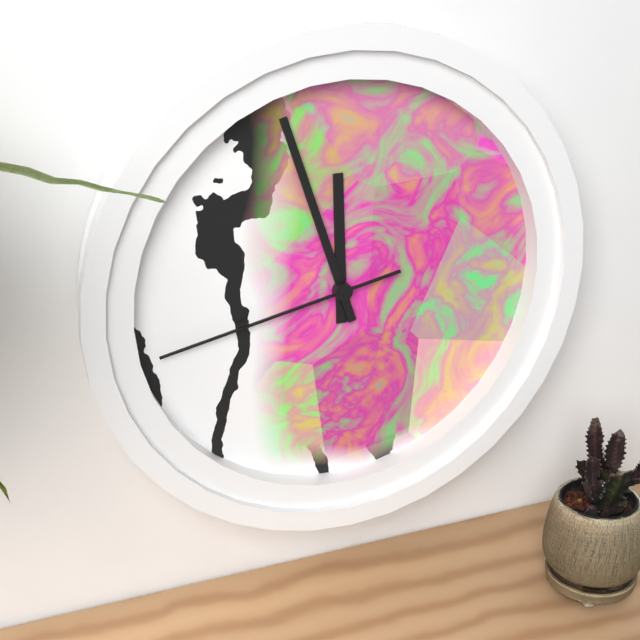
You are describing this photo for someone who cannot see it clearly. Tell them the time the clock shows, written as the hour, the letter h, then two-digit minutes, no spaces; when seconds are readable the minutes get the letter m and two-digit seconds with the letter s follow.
11h57m43s
